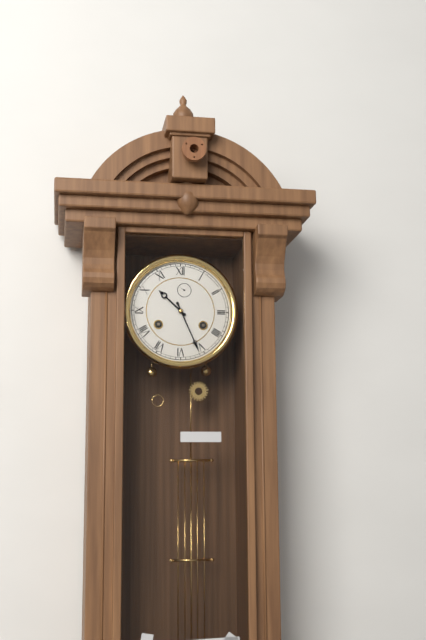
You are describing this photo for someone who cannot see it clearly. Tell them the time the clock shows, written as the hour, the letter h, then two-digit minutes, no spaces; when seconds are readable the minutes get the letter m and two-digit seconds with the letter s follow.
10h26
